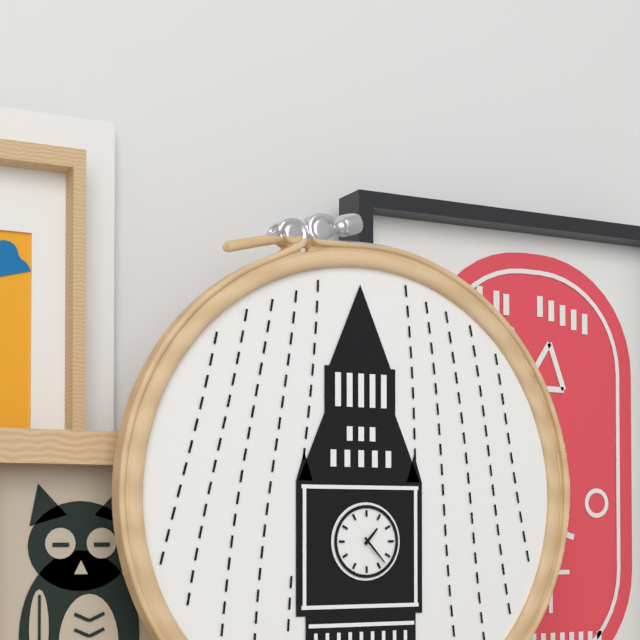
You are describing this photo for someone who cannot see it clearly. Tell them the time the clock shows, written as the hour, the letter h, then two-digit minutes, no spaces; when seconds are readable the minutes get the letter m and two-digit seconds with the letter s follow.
1h23
